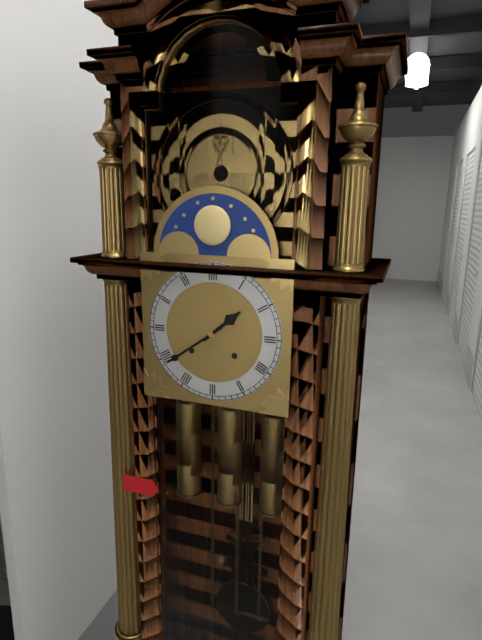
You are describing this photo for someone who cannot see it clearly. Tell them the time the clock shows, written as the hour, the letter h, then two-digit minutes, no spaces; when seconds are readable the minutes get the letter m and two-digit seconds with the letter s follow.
1h39
